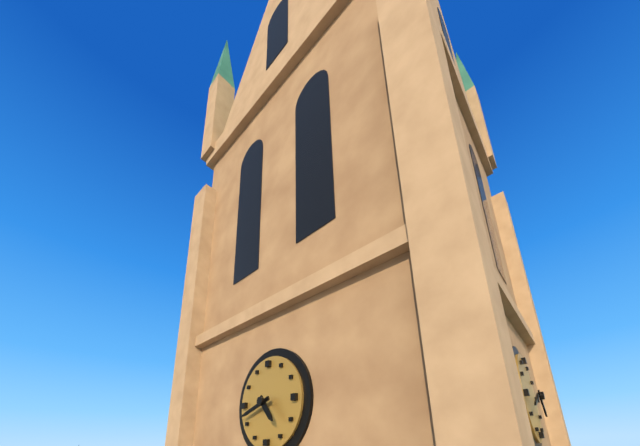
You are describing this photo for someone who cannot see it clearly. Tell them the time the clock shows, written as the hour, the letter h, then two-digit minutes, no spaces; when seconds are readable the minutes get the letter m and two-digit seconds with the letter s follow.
4h42
